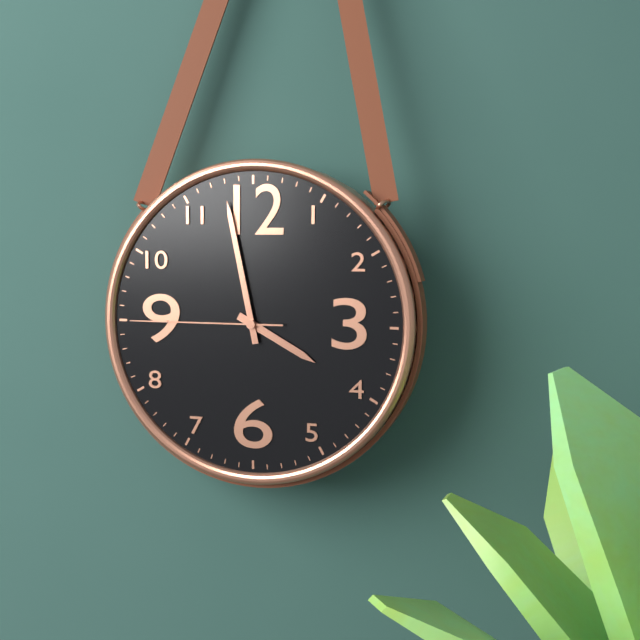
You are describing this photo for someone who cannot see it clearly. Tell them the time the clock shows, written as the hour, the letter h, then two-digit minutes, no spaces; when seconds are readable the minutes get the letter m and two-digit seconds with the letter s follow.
3h58m45s
